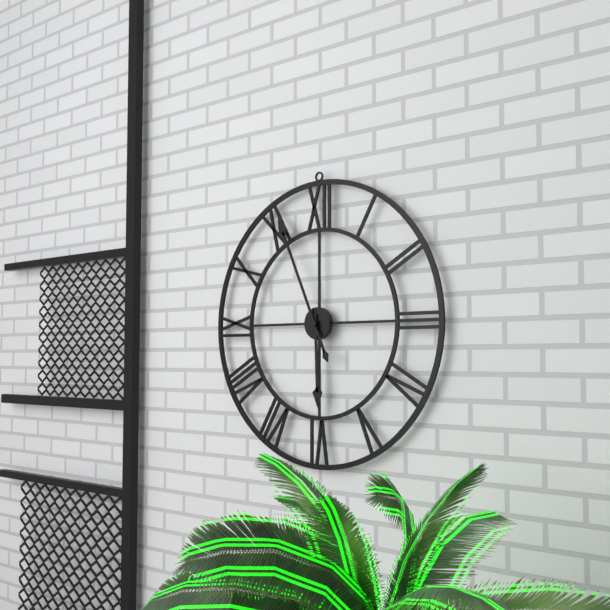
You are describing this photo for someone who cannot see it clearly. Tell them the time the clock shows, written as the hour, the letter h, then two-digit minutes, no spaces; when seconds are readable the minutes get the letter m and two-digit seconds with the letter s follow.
5h56
